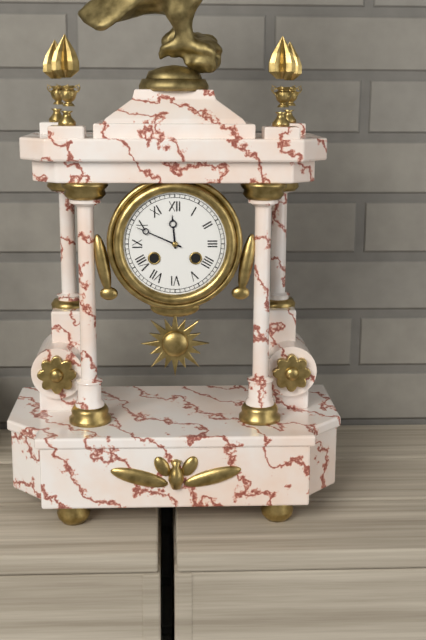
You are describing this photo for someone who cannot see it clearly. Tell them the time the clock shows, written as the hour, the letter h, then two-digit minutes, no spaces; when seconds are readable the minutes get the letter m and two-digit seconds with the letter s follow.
11h49
